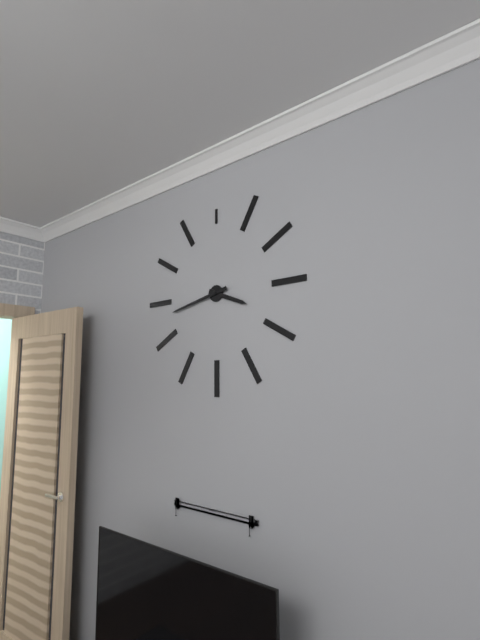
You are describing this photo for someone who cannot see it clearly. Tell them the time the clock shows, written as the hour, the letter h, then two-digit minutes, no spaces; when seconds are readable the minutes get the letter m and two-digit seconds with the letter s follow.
3h43
